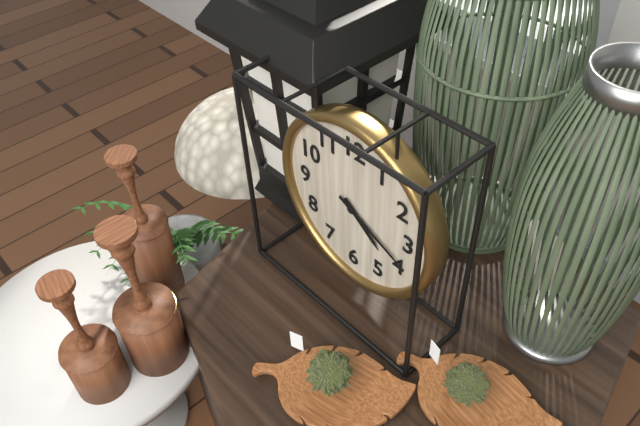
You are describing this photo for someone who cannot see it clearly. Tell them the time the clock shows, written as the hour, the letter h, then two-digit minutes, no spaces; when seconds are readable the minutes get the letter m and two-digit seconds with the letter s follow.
4h19
